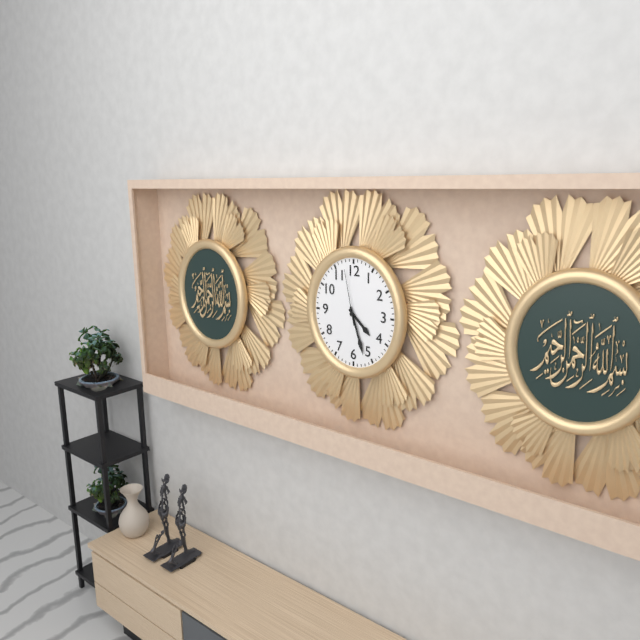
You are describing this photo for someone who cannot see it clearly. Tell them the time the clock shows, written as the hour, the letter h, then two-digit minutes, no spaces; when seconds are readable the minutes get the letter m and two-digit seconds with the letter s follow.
4h27m58s
